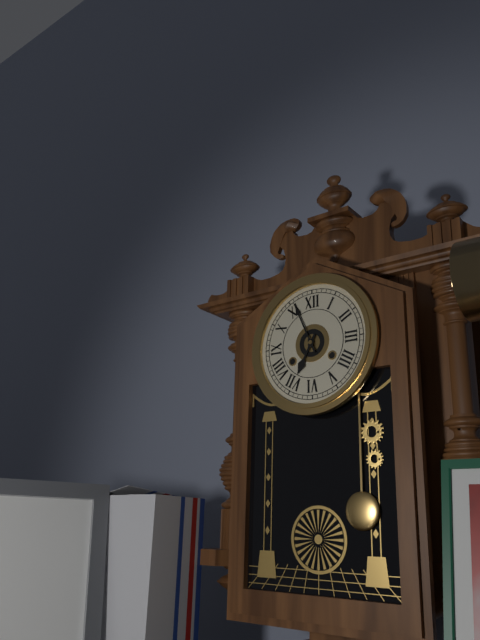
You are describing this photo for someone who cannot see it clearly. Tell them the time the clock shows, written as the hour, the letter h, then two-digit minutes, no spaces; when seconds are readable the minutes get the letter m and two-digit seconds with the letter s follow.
6h56
